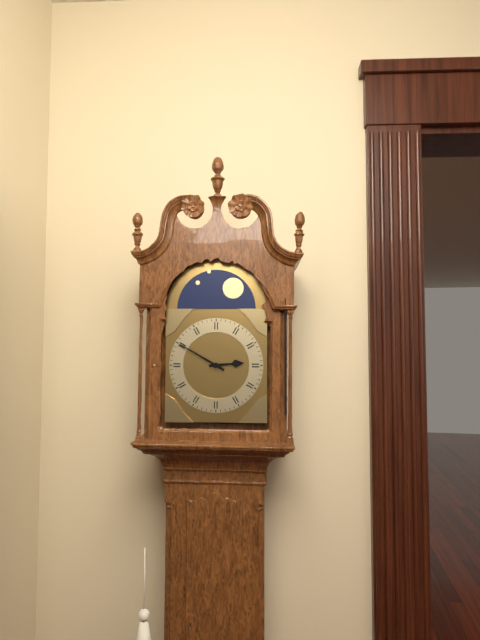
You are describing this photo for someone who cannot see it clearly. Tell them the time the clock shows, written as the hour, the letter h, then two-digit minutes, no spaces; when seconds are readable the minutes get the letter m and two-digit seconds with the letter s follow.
2h50
